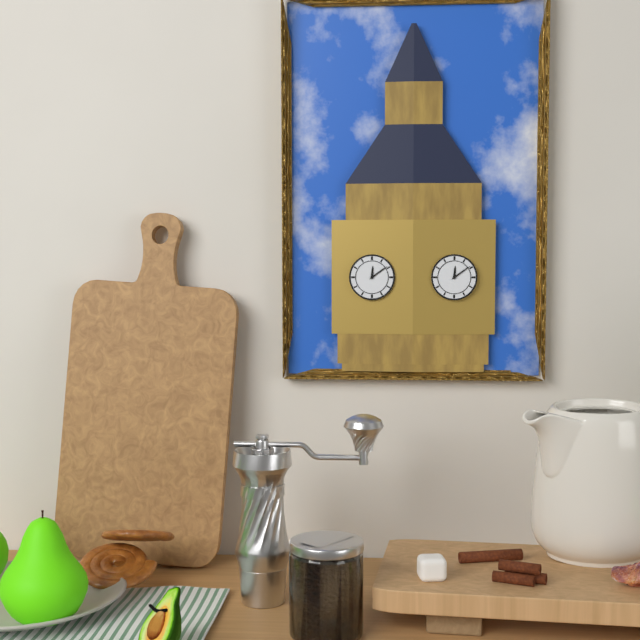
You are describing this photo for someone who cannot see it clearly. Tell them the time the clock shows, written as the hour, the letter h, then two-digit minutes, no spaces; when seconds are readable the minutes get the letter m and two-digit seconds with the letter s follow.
12h09
